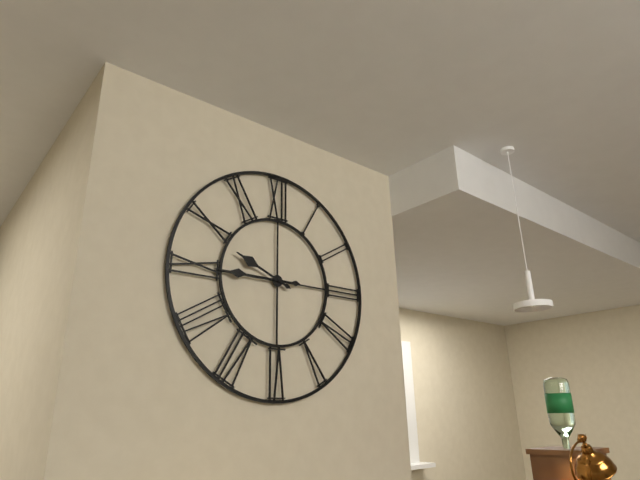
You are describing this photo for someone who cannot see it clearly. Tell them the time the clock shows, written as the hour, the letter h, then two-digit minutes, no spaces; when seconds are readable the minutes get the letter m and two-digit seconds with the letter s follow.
9h45
